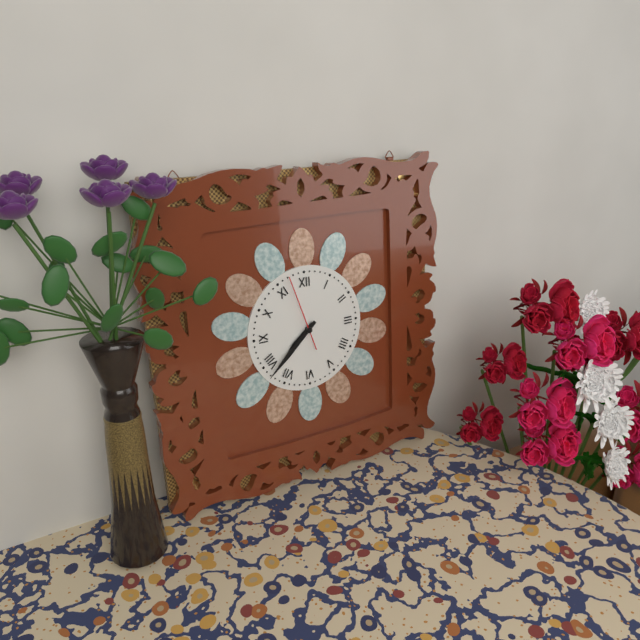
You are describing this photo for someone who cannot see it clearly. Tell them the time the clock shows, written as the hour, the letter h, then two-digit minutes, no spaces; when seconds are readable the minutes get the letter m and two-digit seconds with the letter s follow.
7h38m57s
